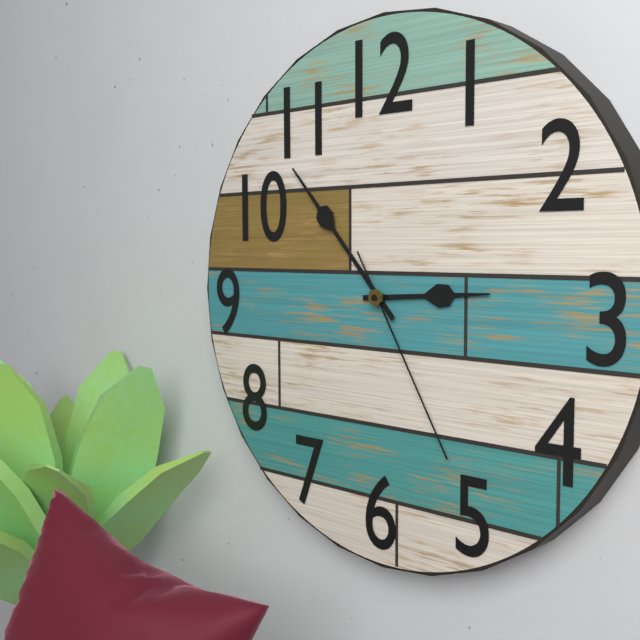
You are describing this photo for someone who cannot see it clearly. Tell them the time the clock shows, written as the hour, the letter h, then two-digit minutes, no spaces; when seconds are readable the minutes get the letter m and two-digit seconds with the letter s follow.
2h53m25s
